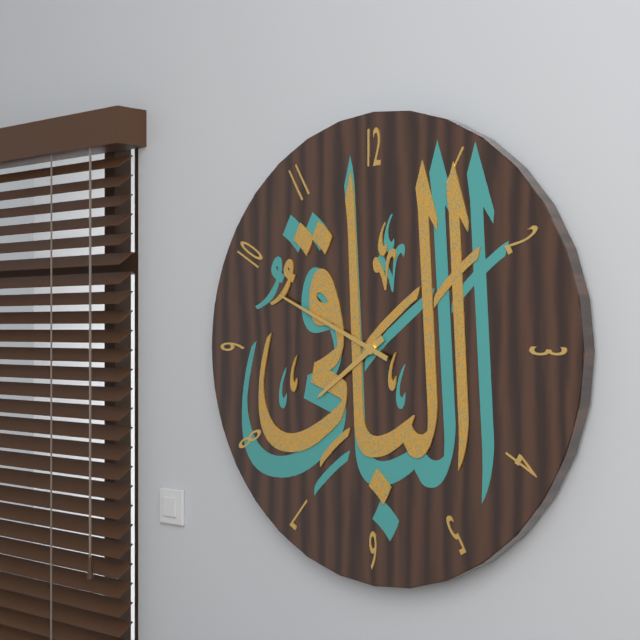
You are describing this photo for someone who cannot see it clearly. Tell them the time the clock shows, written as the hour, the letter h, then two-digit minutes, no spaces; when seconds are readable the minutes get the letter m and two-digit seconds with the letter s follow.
7h49
